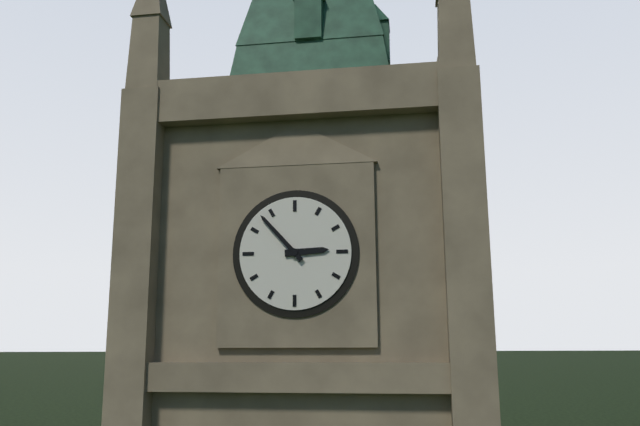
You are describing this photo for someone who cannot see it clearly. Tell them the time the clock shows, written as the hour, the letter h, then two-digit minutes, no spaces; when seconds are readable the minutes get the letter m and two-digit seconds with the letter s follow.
2h53
